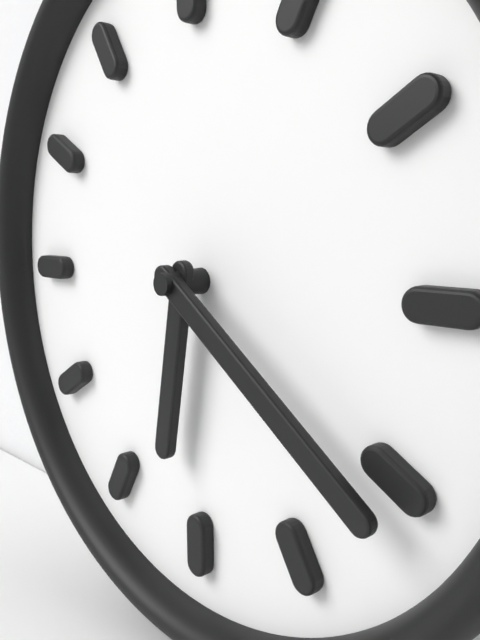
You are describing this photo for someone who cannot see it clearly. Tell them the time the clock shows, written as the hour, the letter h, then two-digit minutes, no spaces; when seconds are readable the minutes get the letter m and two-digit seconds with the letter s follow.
6h21
